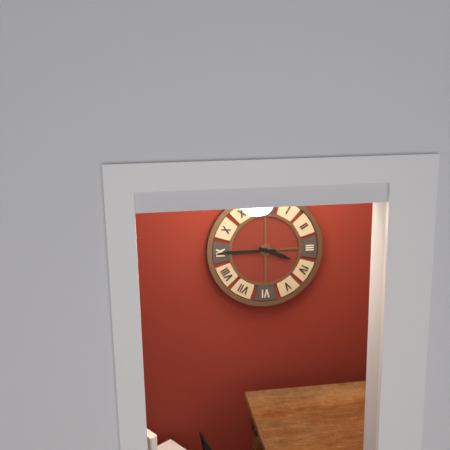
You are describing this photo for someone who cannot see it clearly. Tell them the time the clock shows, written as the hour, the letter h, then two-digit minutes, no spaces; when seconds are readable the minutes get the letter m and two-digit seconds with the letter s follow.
3h45
